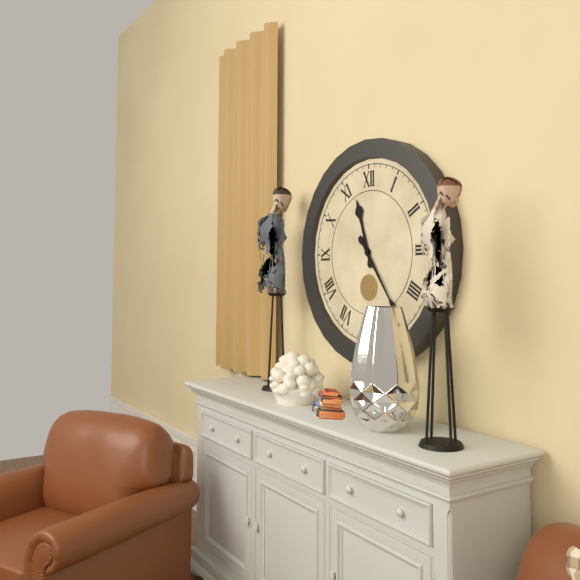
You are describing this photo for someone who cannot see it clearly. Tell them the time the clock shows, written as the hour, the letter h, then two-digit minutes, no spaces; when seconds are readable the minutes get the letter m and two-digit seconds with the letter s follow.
11h24
